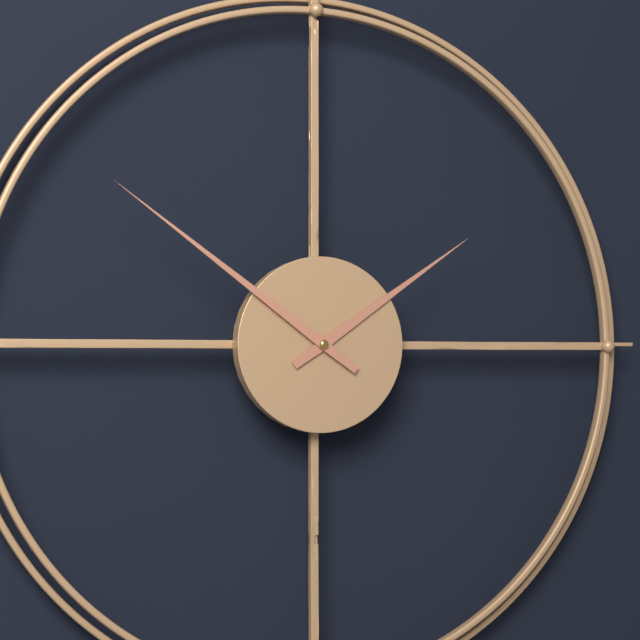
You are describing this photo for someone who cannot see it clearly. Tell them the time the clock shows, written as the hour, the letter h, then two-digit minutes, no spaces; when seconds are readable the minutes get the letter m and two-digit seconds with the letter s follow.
1h51
